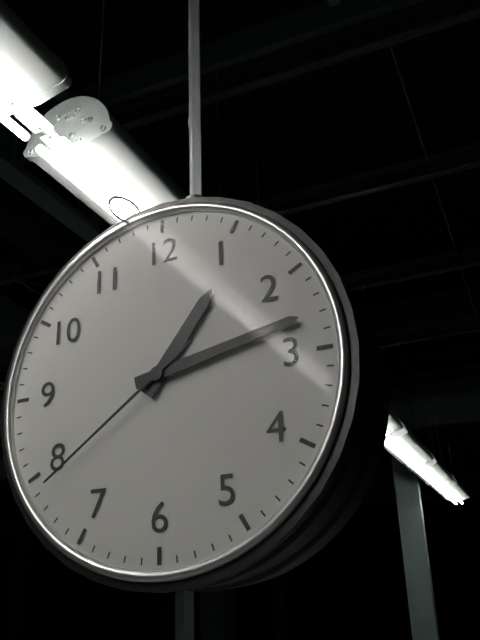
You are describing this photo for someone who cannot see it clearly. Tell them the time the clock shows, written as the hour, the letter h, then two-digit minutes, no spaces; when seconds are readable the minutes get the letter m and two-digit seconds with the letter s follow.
1h13m39s
